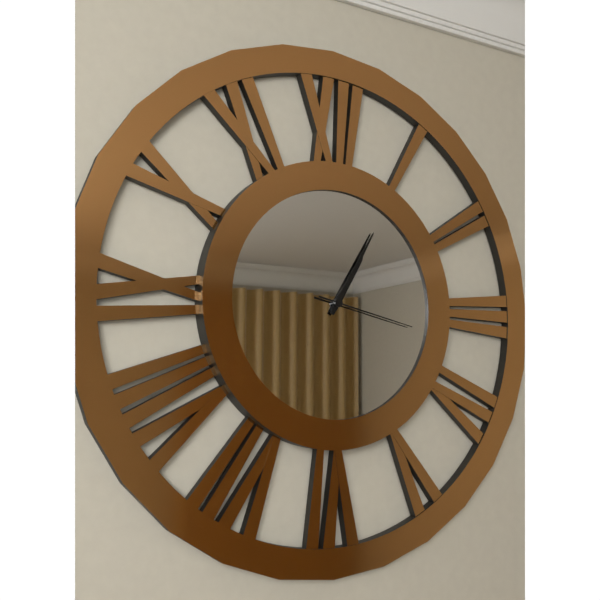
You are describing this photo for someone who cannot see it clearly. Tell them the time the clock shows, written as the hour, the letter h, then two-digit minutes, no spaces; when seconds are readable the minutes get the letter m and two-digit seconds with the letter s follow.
1h05m17s
